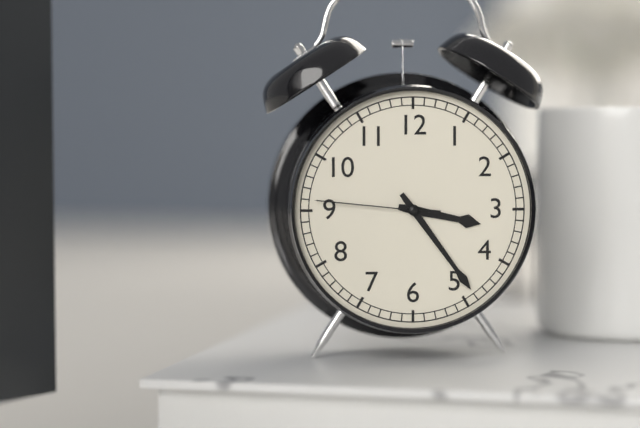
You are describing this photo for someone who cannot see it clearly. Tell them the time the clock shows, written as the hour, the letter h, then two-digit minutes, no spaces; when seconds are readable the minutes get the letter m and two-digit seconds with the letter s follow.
3h24m46s
